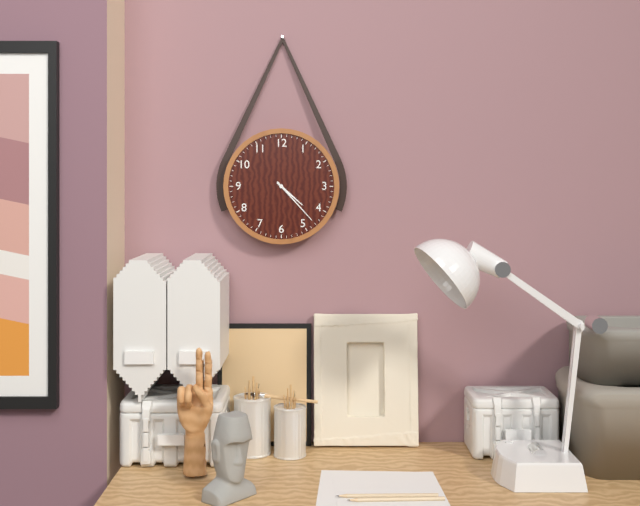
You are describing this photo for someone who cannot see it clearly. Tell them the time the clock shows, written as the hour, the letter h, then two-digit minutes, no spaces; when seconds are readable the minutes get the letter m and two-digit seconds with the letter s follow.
4h23
